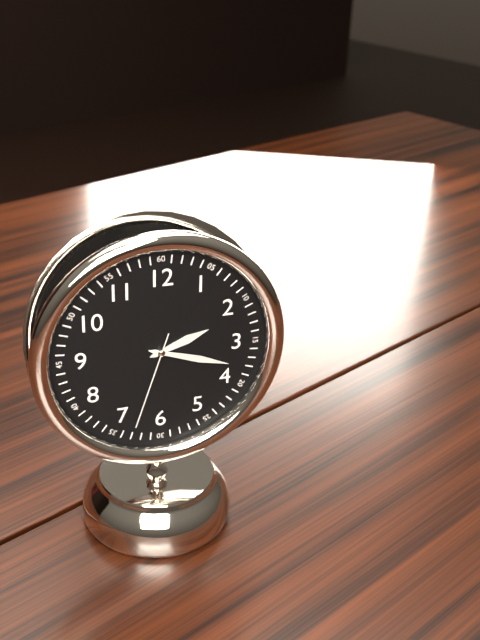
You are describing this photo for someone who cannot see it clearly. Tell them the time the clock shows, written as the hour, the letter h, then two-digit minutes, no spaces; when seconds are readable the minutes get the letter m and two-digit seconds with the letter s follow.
2h18m33s
